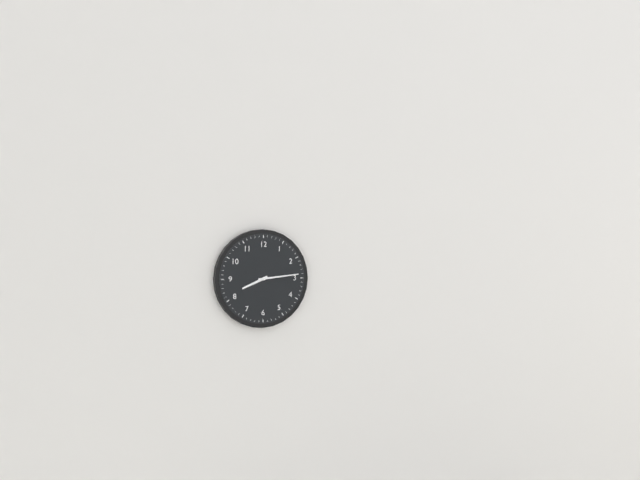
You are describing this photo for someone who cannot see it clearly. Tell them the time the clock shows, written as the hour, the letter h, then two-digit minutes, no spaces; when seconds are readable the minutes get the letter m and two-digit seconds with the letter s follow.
8h14
